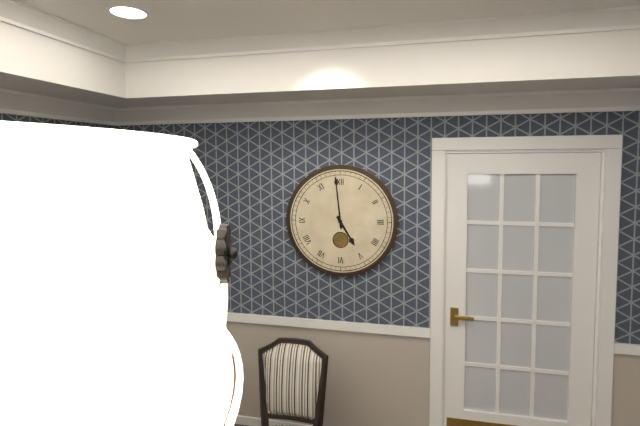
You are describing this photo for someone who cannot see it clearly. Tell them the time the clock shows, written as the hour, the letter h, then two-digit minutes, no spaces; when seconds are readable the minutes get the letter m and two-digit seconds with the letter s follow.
4h59
